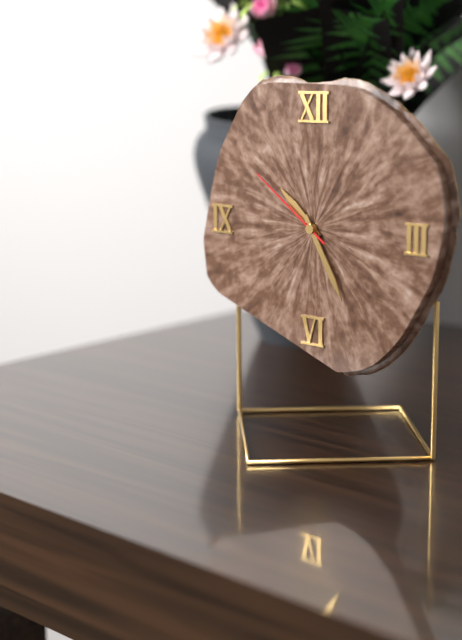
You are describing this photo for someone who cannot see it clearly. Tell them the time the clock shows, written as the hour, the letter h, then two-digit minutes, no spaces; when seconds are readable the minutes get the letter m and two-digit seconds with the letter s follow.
10h25m51s
